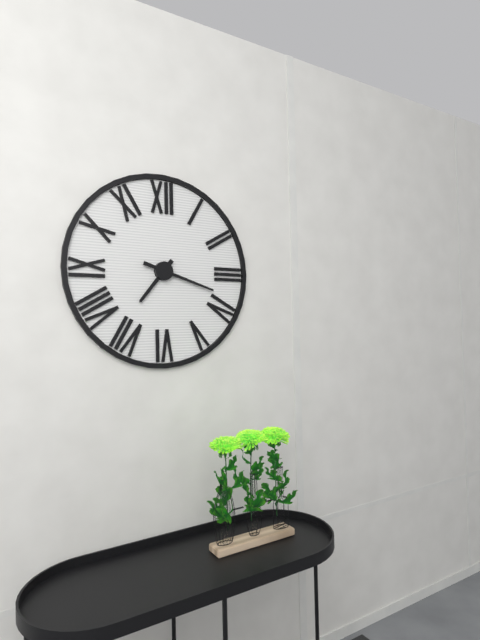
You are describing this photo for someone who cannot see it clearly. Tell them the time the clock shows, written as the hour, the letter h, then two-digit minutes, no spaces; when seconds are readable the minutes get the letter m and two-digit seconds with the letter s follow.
7h18
